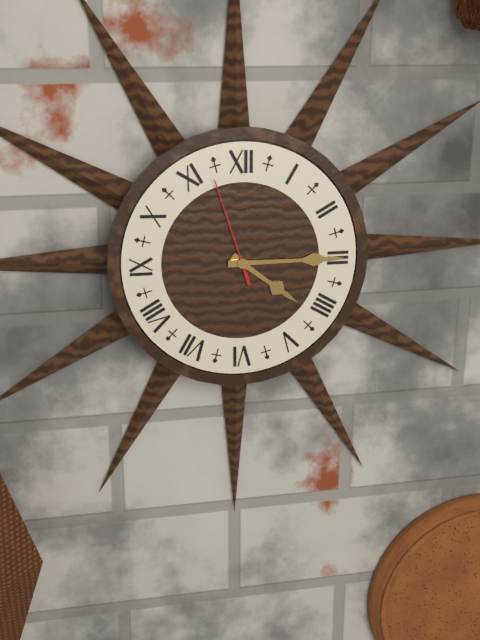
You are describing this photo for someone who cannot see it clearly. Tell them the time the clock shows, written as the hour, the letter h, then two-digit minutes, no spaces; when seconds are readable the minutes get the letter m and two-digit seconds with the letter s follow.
4h15m57s
